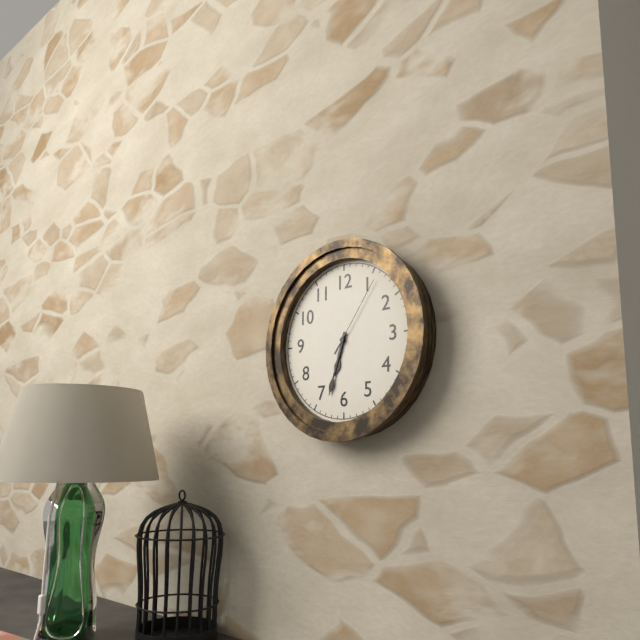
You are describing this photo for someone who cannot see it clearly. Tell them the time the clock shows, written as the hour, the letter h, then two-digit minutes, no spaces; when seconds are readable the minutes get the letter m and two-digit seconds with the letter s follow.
6h33m06s
